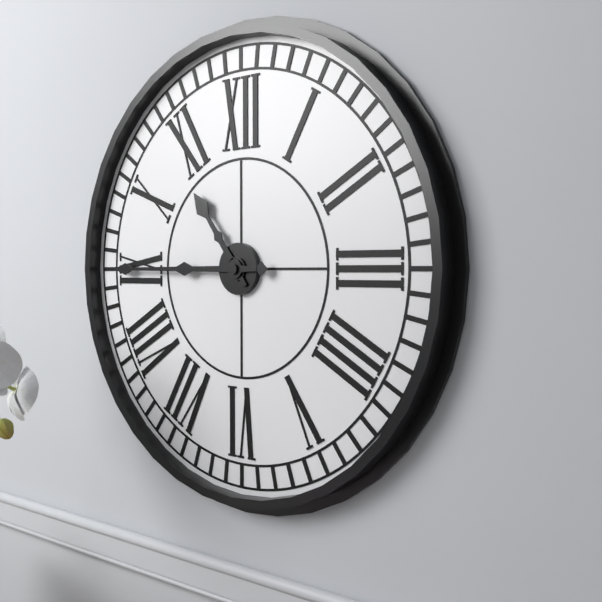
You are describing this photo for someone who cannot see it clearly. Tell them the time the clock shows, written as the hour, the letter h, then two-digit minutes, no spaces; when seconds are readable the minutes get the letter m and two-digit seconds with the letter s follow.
10h45
